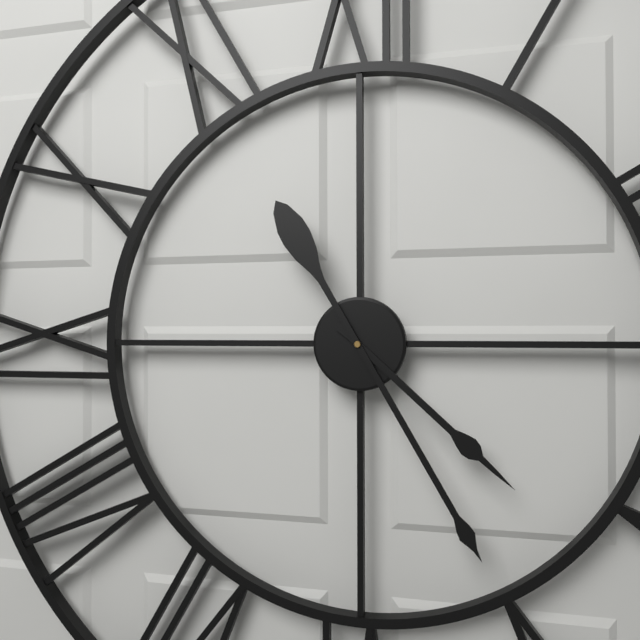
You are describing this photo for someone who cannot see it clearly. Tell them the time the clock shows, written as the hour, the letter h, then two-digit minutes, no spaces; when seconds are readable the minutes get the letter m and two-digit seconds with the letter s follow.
4h25
